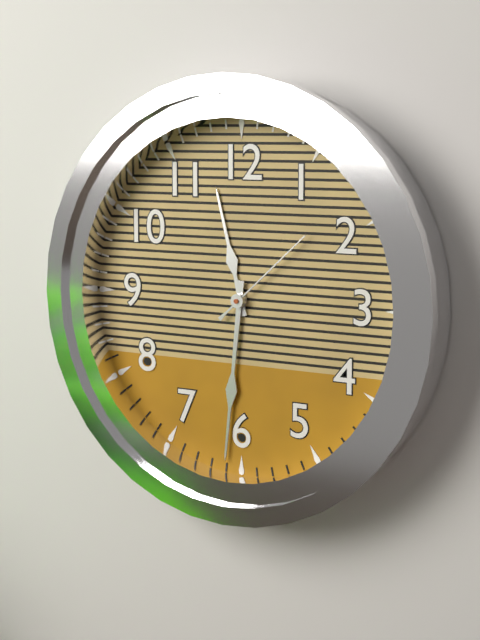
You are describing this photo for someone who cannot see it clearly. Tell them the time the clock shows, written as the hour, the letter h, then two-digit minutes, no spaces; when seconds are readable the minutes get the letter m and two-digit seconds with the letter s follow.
11h31m08s
